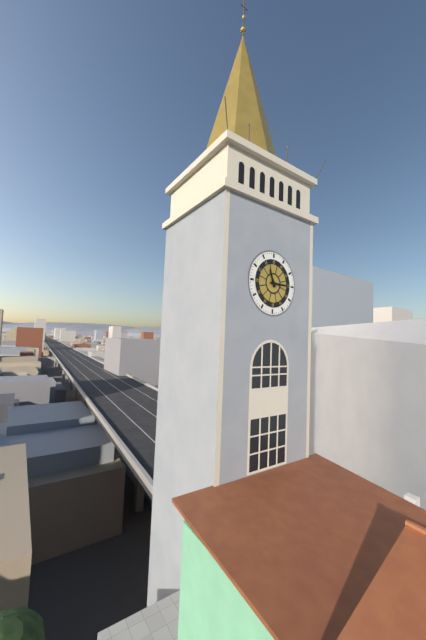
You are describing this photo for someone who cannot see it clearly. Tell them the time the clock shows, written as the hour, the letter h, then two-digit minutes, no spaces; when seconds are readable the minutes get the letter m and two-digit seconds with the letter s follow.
11h15
